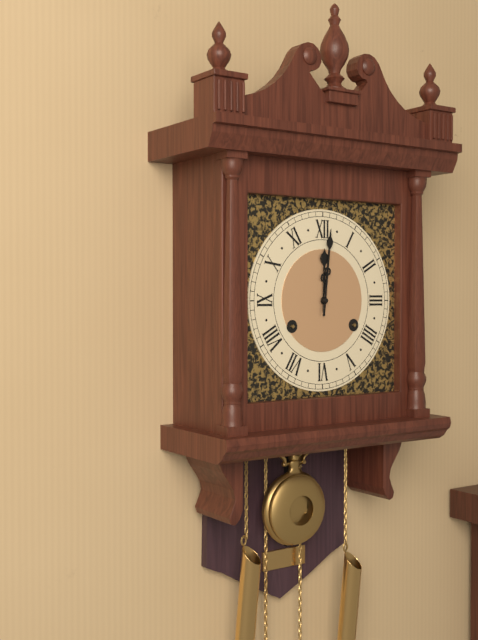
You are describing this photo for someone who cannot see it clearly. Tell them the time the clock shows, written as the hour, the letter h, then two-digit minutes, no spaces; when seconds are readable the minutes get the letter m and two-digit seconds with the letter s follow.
12h01
